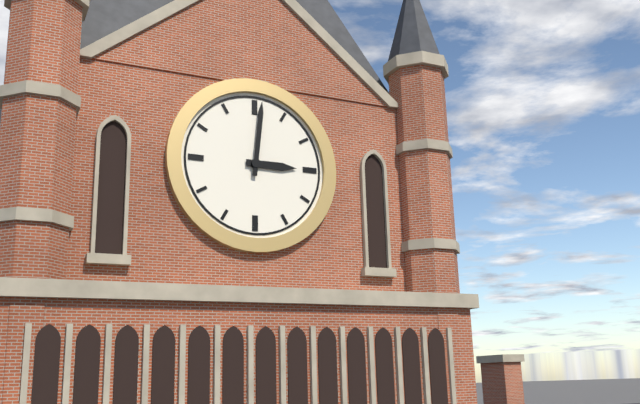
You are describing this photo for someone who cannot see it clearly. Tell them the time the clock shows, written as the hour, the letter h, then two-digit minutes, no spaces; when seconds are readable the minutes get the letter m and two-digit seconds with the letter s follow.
3h01
